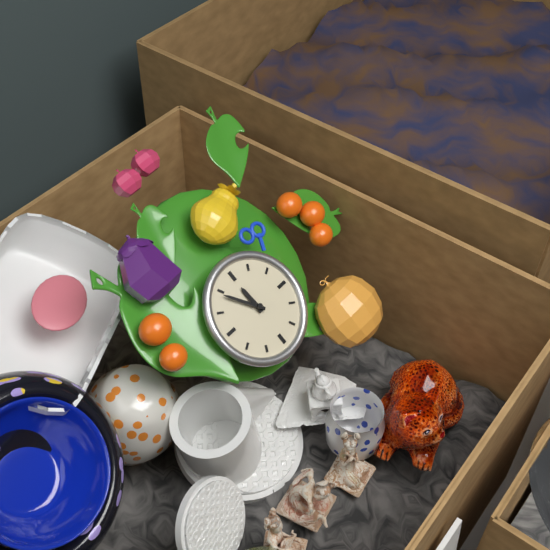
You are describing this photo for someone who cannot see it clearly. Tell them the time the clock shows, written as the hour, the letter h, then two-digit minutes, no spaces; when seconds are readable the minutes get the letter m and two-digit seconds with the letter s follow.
11h54
